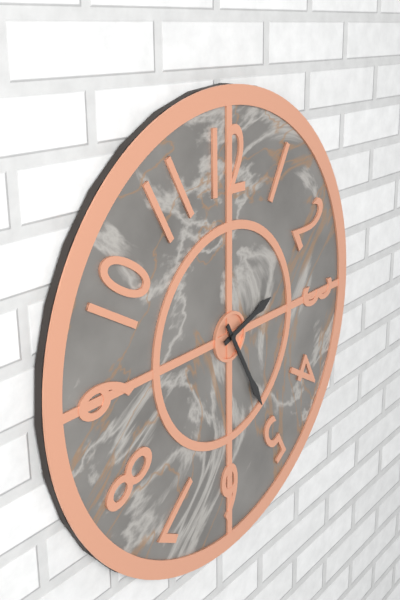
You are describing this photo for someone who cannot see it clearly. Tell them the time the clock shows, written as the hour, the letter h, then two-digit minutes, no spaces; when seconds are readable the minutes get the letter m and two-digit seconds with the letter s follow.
2h25
